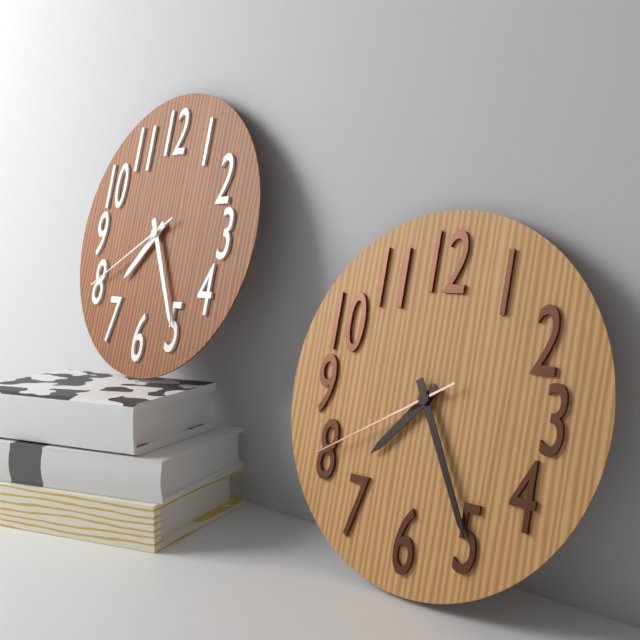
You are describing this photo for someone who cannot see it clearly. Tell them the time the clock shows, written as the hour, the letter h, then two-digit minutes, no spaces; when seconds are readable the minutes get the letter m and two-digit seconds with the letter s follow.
7h25m40s
